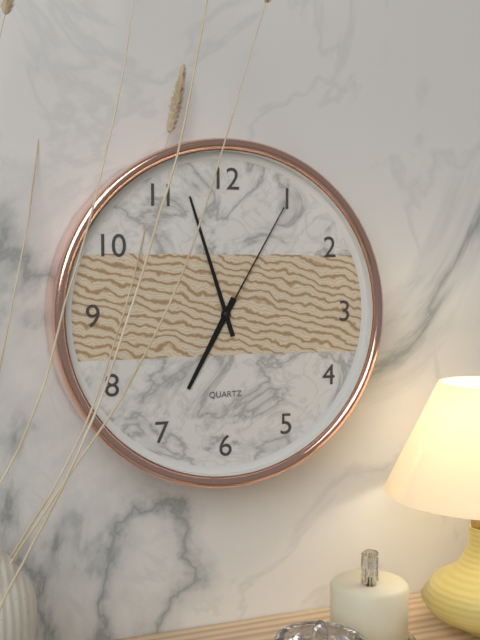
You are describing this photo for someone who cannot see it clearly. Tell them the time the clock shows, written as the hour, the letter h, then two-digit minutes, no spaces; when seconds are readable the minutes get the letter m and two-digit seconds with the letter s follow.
6h57m05s
